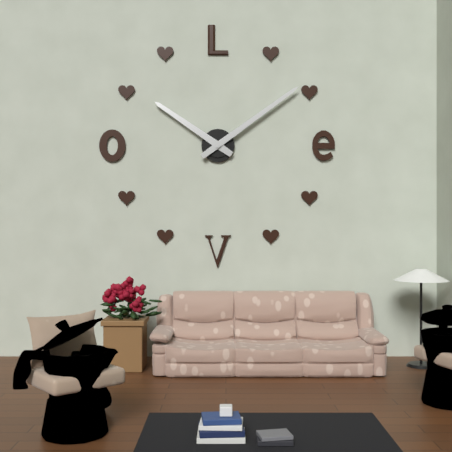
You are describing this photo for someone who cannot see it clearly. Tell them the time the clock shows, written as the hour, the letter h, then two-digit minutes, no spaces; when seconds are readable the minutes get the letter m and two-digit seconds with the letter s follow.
10h09
